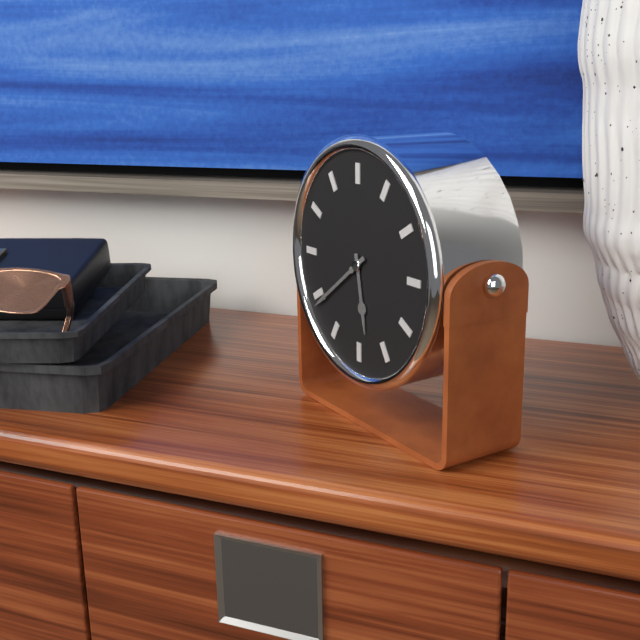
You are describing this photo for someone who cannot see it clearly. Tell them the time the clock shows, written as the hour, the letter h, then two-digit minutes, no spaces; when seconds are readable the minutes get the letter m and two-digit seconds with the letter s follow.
5h39
